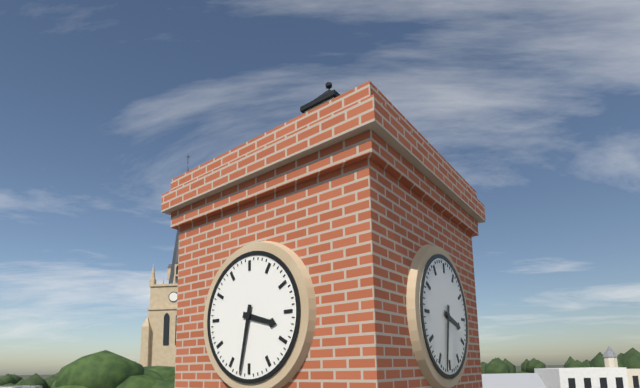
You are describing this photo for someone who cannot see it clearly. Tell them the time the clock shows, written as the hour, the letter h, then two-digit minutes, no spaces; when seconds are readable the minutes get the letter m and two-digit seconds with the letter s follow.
3h32
